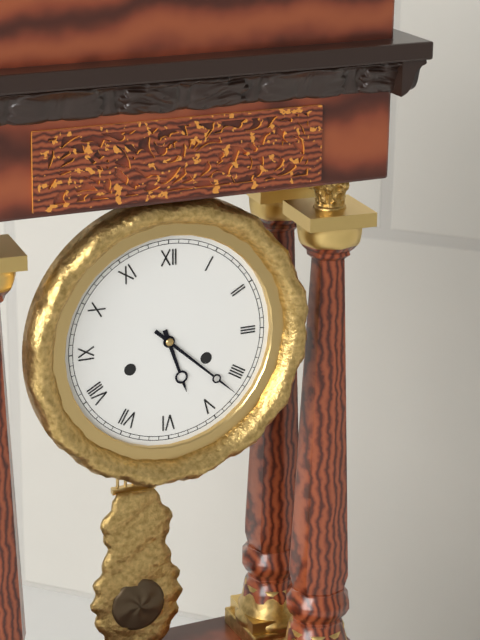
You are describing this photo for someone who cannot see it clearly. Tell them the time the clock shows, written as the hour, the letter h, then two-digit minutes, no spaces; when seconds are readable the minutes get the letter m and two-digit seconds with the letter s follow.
5h22
